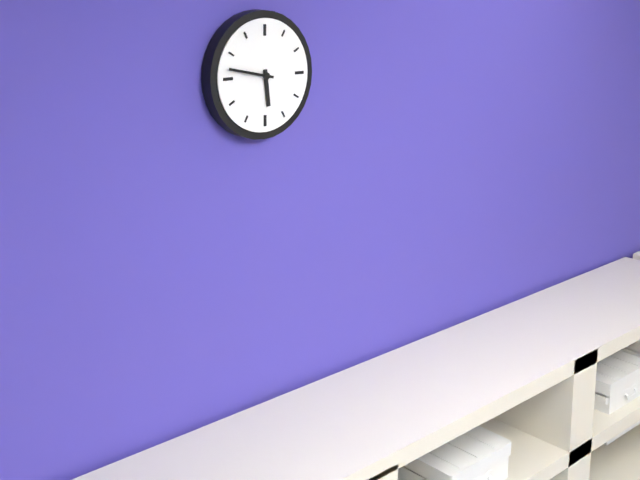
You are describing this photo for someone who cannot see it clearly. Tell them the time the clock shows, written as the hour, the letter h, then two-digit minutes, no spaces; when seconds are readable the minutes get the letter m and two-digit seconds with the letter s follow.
5h47
